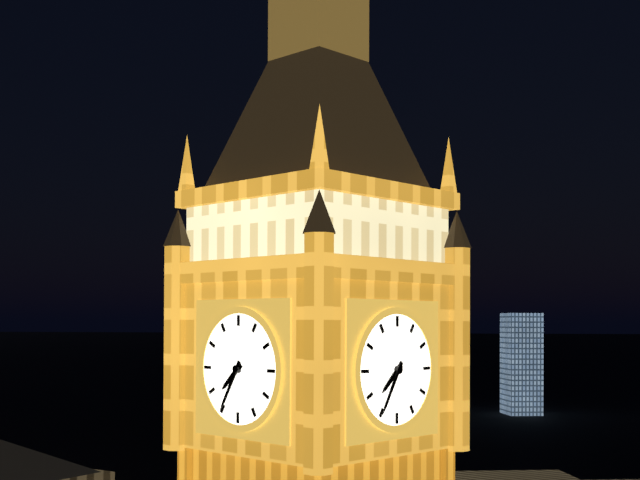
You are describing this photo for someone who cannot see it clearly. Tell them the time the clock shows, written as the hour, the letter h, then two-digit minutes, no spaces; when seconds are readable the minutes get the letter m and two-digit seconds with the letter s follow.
7h35
